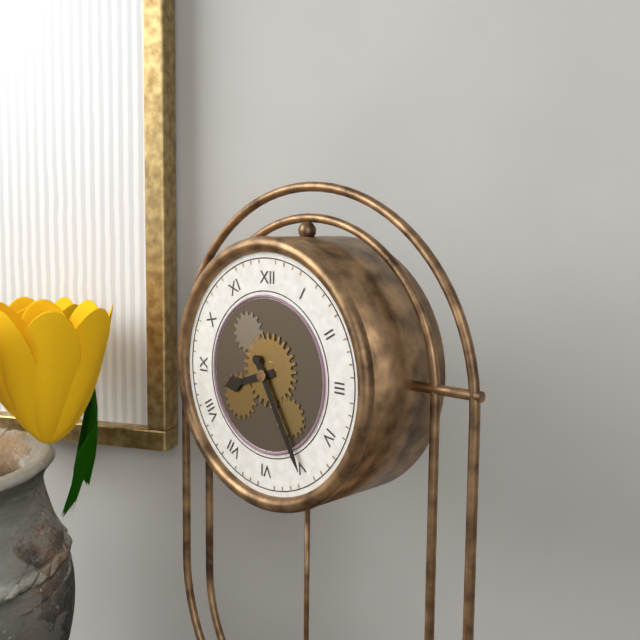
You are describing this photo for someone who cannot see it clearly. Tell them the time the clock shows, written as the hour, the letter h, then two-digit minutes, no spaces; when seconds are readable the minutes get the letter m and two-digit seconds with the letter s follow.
8h25
